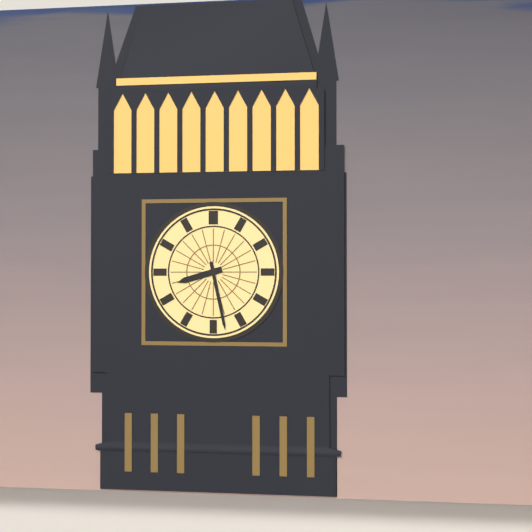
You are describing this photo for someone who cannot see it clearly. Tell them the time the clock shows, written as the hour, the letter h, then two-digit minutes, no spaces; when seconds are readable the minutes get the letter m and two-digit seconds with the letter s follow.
8h28
